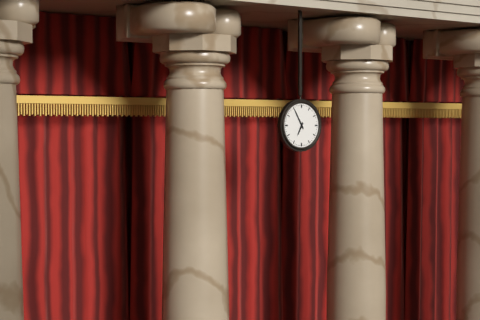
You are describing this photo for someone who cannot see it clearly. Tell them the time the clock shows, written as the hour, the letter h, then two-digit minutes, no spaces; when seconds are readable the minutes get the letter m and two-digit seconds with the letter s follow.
6h55
